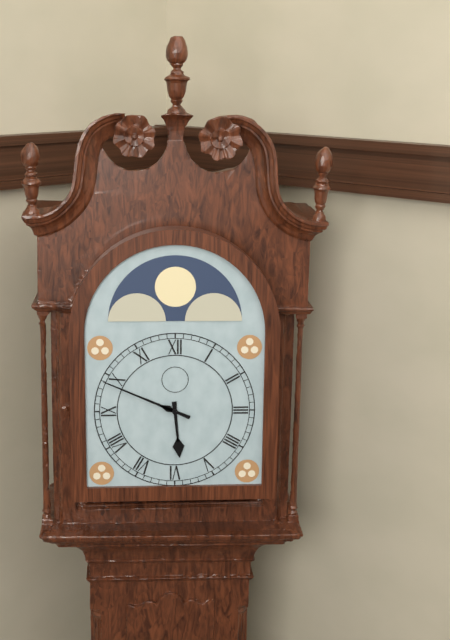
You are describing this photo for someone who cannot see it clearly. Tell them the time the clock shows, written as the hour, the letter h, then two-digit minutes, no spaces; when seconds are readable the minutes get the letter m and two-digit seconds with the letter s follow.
5h49
